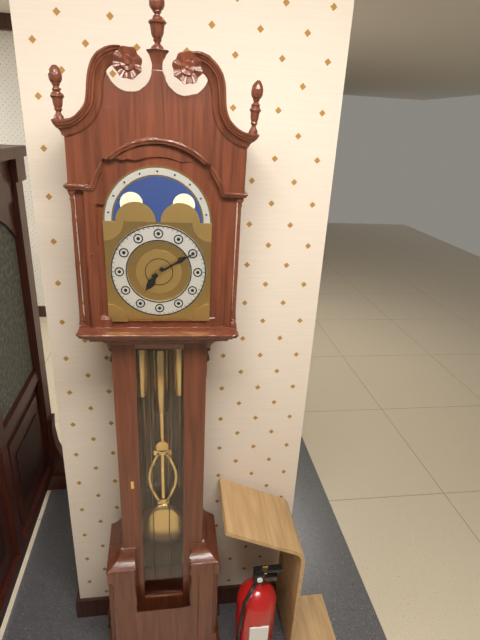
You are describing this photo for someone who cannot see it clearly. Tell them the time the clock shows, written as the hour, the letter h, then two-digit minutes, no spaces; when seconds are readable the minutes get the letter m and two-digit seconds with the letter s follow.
7h10
